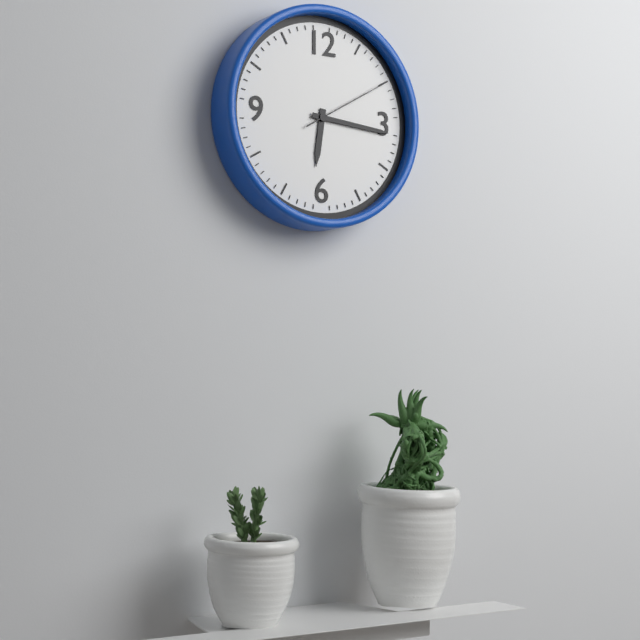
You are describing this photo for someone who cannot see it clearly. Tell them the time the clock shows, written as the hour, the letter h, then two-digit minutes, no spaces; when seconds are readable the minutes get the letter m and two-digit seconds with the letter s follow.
6h16m10s
